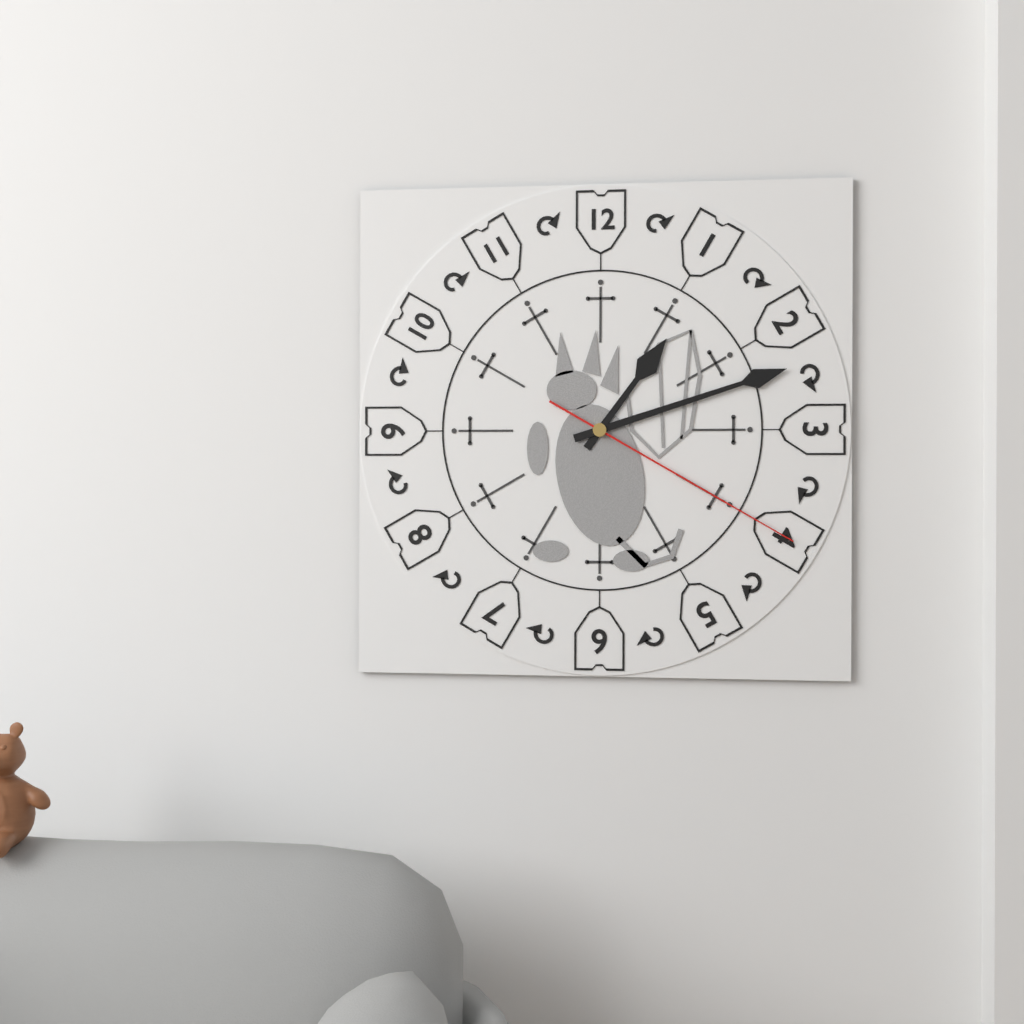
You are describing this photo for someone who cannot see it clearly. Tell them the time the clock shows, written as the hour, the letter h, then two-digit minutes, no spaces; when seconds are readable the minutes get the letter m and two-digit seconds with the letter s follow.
1h12m20s
